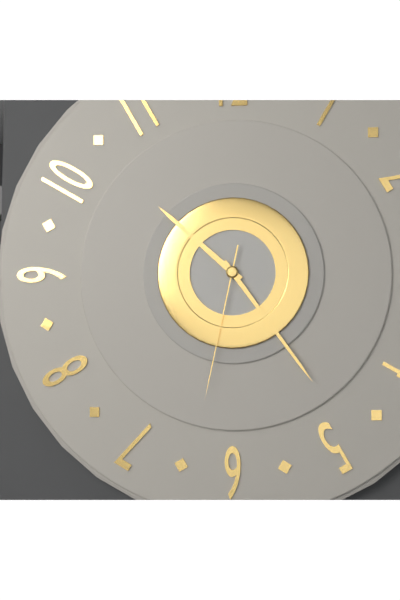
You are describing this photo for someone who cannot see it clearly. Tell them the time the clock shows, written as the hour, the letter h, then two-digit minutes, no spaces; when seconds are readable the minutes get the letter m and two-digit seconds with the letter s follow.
10h24m32s
